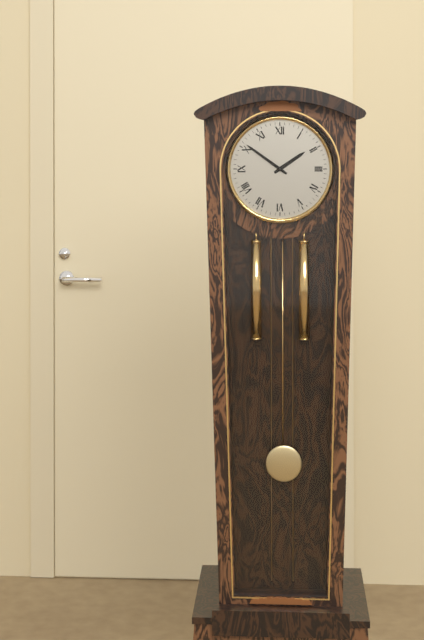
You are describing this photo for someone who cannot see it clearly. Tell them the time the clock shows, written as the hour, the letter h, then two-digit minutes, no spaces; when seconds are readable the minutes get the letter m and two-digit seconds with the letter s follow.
1h51
